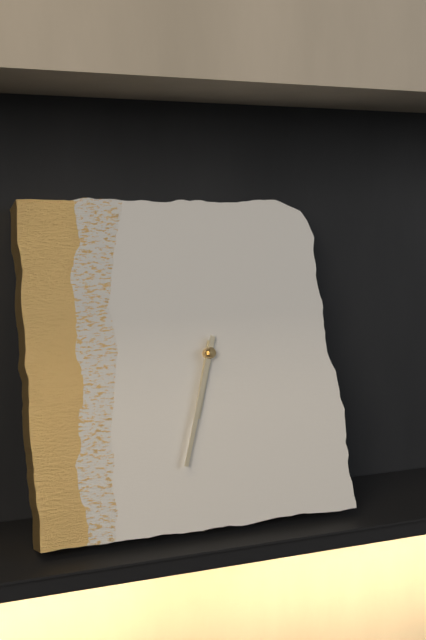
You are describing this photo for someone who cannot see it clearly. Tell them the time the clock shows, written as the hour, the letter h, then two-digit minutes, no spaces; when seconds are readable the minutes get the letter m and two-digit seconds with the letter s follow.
6h33
